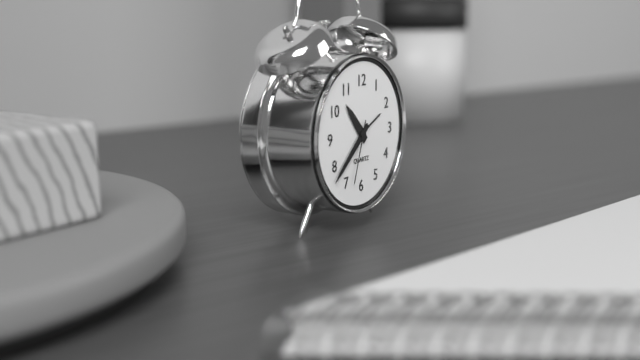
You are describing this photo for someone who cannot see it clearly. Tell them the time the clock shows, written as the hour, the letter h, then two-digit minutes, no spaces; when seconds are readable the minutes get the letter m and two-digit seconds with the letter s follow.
10h38m33s
